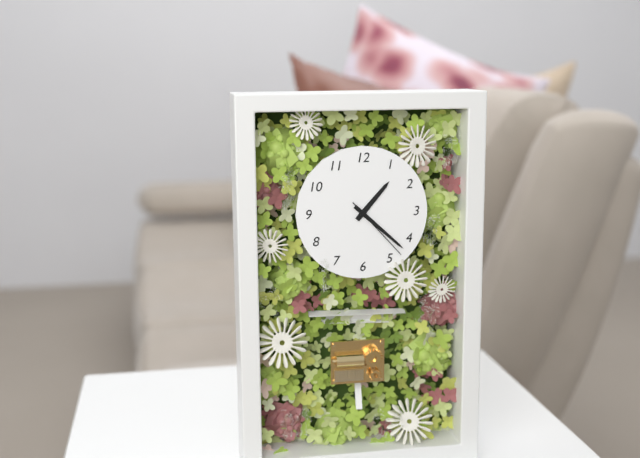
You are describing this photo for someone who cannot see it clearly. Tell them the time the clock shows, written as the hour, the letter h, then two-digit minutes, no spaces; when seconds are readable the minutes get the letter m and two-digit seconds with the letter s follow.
1h22m23s
